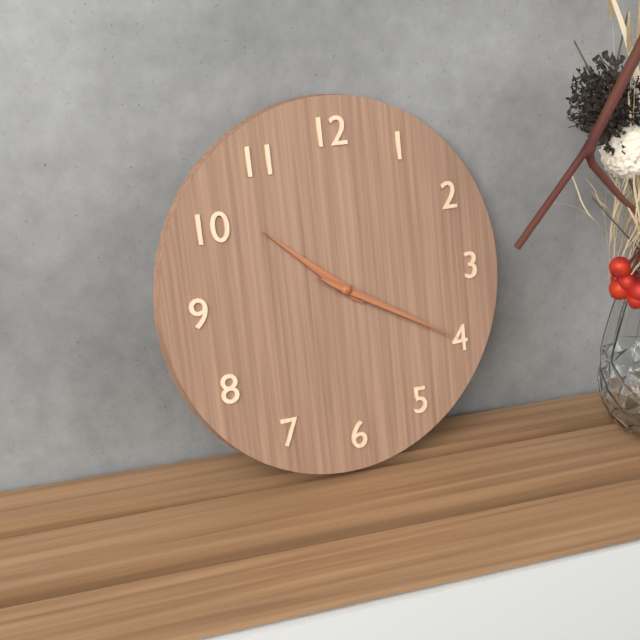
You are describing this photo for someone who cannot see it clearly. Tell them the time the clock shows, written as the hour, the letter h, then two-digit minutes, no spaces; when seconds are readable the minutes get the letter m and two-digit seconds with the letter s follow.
10h20
